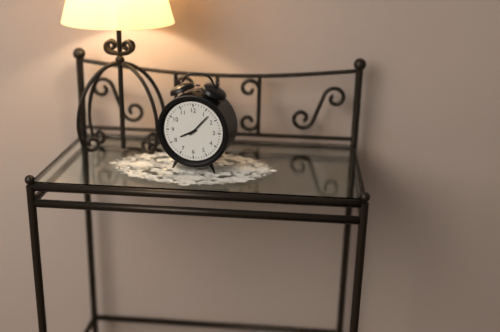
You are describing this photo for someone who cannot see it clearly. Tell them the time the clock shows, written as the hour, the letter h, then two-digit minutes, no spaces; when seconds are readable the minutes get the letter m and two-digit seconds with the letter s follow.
8h07
